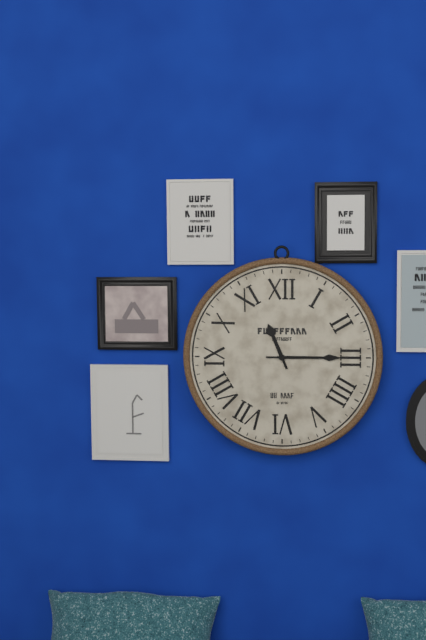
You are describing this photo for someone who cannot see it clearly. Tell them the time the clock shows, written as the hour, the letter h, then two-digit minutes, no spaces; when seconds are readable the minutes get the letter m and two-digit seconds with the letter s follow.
11h15
